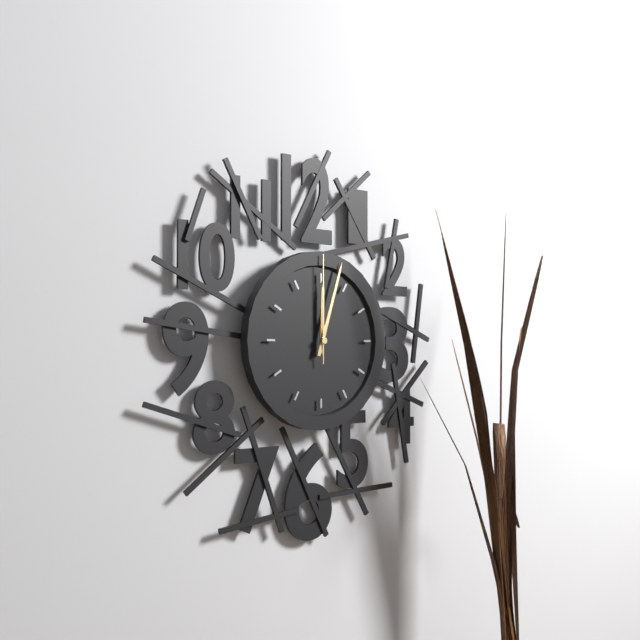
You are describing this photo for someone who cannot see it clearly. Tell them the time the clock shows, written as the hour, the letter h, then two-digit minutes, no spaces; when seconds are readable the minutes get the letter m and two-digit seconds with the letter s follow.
12h03m00s
